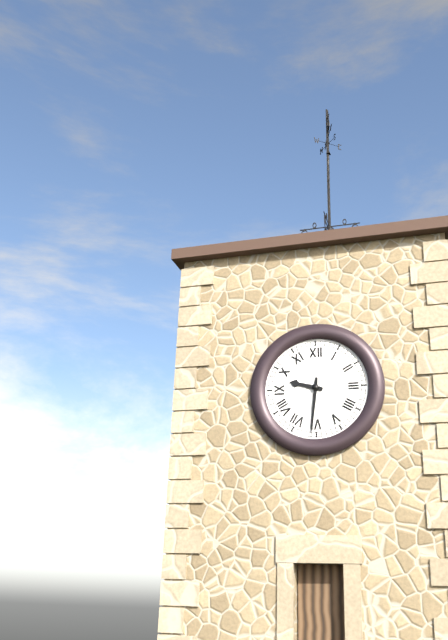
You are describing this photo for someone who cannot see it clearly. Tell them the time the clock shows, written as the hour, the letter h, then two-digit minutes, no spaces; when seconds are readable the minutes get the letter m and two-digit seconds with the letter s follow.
9h31
